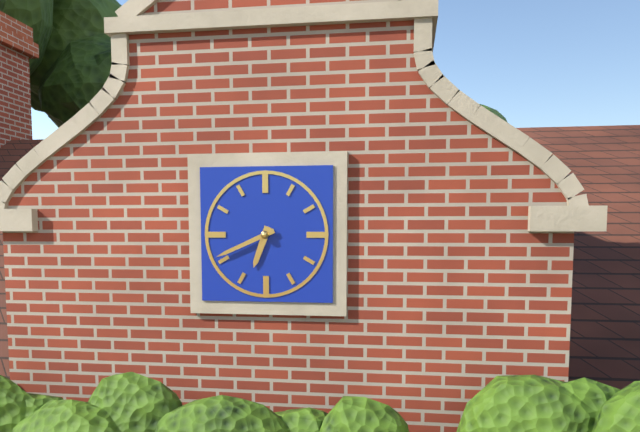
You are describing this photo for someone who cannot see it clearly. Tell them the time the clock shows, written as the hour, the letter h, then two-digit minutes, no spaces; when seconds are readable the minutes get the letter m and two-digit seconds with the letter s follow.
6h41
